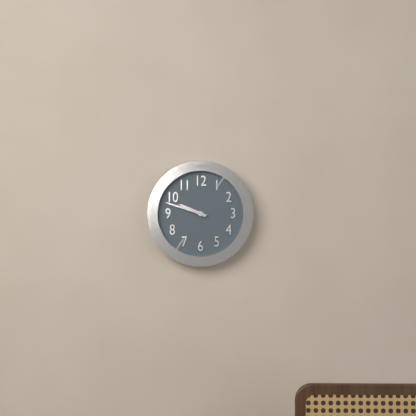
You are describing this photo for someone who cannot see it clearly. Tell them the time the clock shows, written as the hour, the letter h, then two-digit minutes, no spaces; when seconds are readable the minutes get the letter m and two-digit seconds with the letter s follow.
9h48
